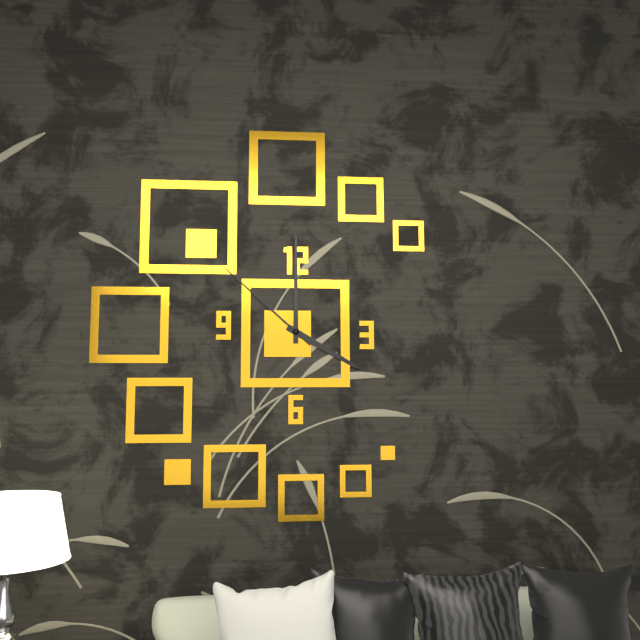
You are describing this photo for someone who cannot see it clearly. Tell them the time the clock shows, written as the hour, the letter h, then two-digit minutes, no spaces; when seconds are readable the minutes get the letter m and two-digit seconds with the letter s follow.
4h00m52s
